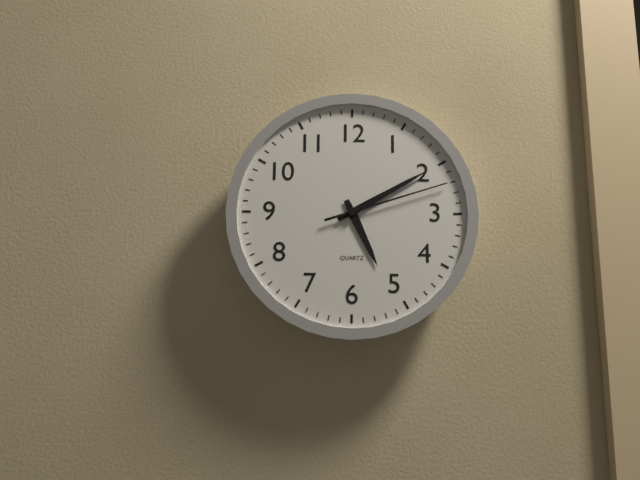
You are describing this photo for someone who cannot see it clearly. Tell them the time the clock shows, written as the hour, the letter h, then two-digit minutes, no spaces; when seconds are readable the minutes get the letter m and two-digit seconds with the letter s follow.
5h10m12s
